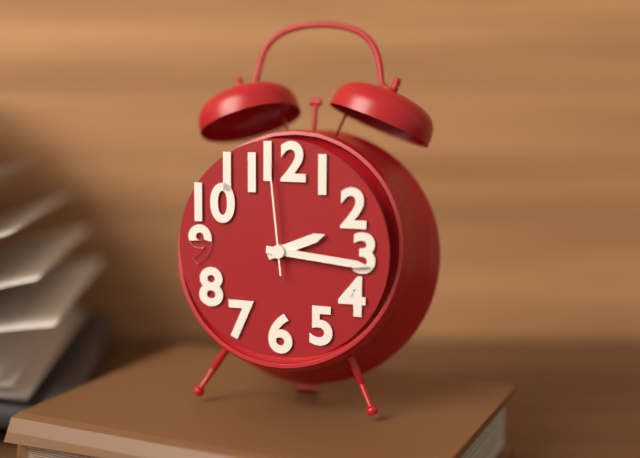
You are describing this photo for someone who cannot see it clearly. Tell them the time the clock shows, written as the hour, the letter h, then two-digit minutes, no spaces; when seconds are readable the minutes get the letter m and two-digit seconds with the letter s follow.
2h16m59s
